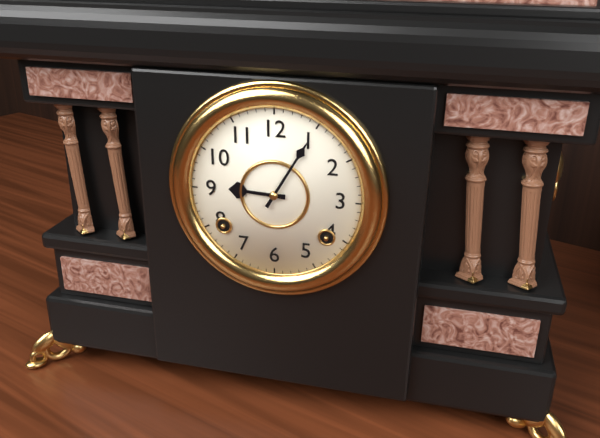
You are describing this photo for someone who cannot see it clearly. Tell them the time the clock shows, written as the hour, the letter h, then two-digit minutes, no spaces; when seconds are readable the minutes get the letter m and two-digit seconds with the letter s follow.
9h05
